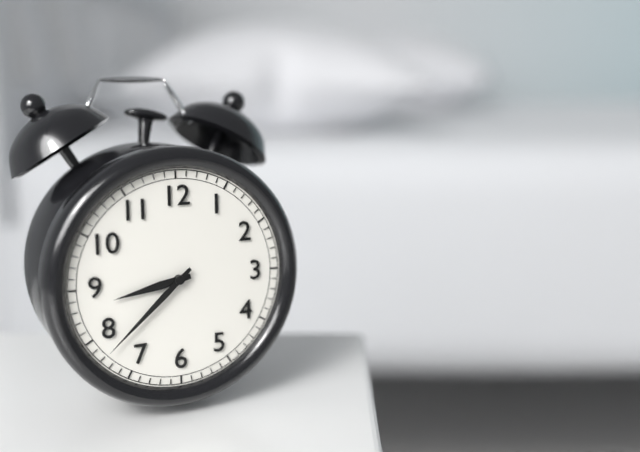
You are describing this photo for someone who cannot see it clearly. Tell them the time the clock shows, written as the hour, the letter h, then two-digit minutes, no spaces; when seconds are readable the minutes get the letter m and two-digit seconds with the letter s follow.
8h38
